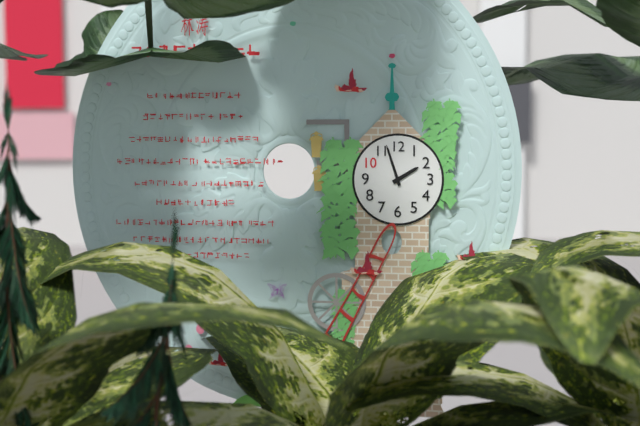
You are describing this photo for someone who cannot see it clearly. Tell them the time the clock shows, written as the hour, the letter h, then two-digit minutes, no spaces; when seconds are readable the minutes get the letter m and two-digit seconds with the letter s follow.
1h57
